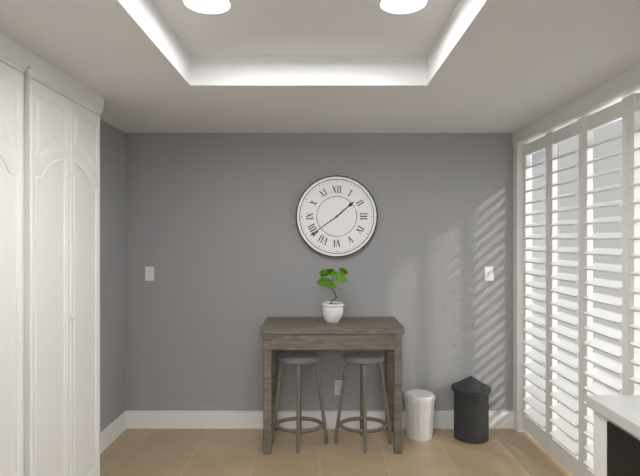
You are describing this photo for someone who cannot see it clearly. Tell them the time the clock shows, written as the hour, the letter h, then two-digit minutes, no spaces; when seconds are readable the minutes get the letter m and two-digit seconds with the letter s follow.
1h39
